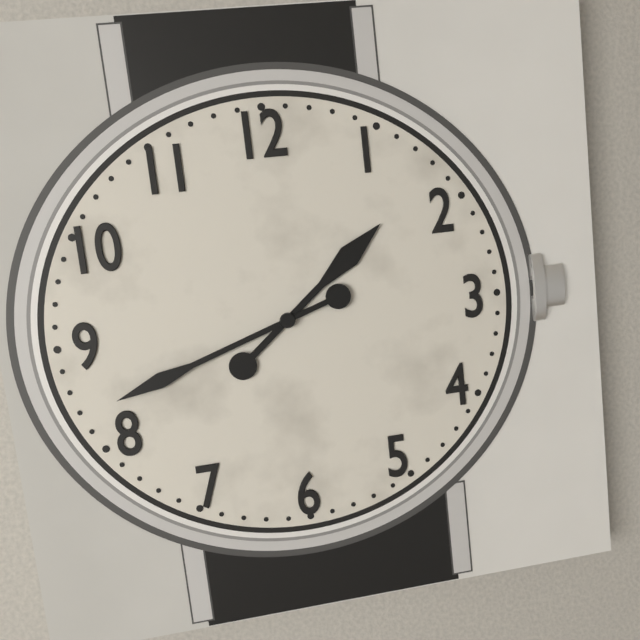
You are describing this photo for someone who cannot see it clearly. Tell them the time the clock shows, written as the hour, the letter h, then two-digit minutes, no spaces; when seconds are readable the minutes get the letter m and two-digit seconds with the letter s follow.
1h42
